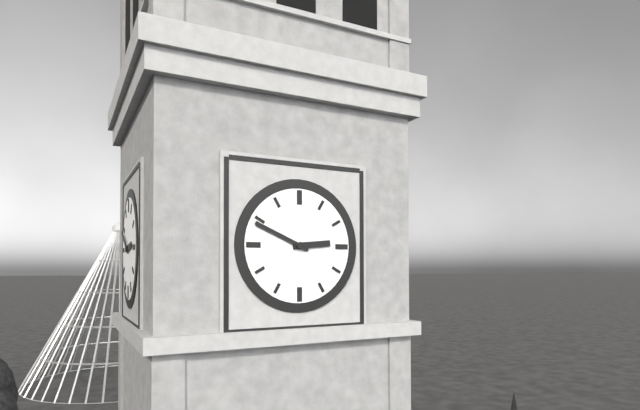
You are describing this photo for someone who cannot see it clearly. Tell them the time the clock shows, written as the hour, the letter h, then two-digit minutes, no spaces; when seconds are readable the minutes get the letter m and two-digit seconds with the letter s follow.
2h49
